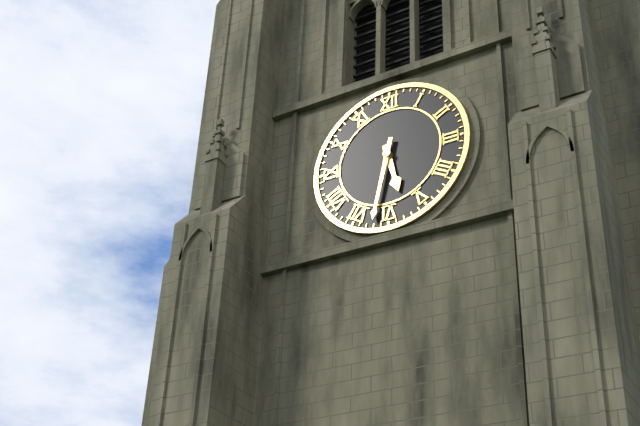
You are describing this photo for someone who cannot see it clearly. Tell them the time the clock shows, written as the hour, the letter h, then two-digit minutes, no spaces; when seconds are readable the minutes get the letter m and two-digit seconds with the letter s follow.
5h32
